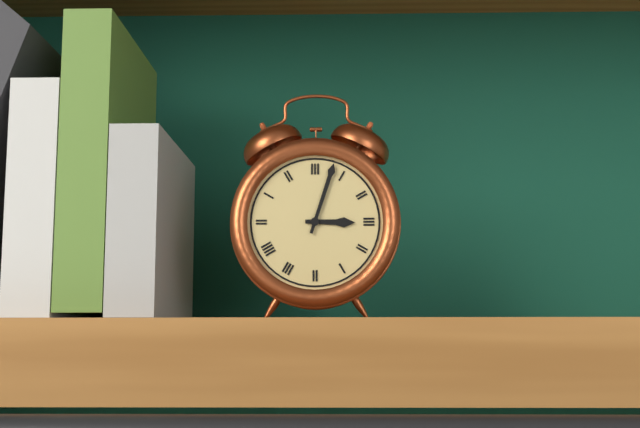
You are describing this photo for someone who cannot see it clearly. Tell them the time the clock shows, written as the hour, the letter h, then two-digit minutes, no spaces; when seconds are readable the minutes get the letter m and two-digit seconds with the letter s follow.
3h03
